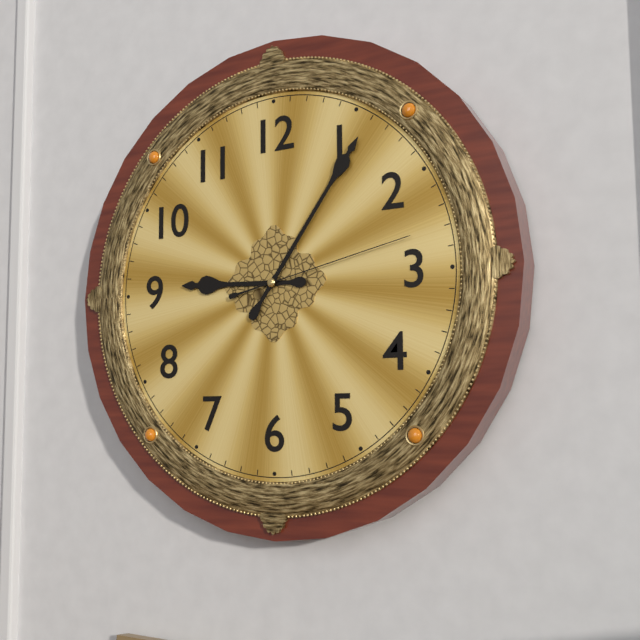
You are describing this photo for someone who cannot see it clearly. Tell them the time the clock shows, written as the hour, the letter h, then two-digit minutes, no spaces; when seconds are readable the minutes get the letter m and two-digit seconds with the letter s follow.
9h06m13s
